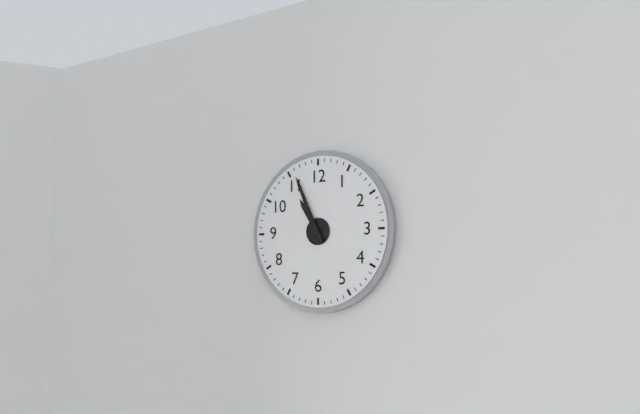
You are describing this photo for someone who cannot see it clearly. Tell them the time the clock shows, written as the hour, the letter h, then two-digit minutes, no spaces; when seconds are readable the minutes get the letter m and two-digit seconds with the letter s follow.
10h56
